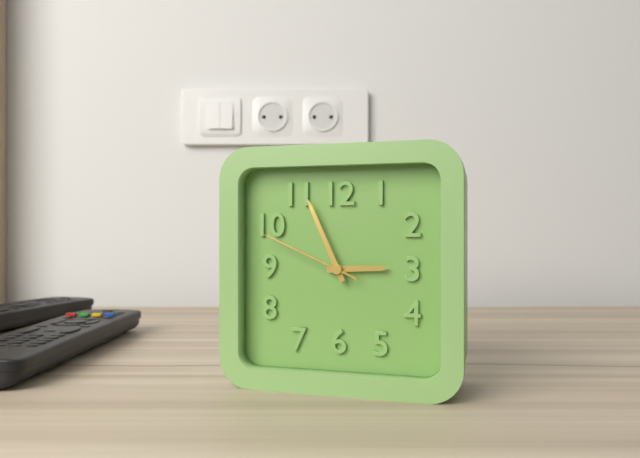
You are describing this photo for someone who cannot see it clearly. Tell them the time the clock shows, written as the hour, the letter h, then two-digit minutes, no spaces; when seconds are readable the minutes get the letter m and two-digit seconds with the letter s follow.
2h56m49s
